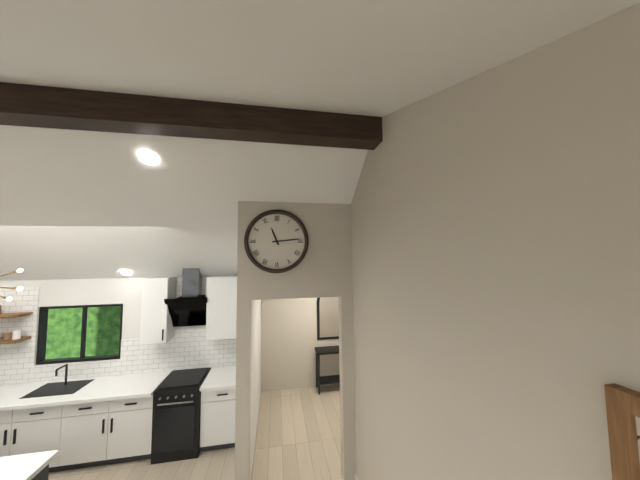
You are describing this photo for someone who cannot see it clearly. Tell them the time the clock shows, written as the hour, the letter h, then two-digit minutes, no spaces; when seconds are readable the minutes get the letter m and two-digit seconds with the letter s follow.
11h14
